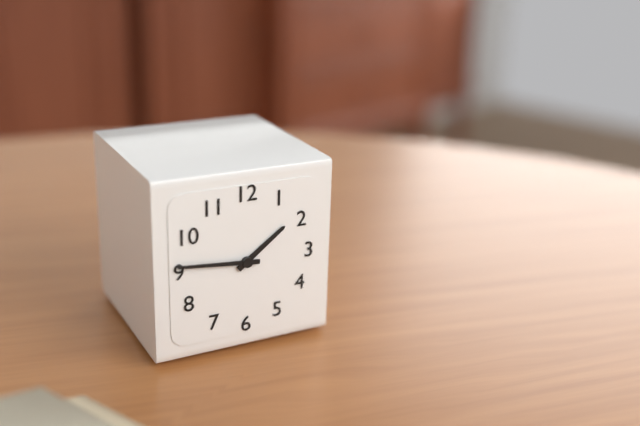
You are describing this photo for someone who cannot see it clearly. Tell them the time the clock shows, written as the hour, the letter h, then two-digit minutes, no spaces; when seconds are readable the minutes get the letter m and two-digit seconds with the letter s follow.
1h46
